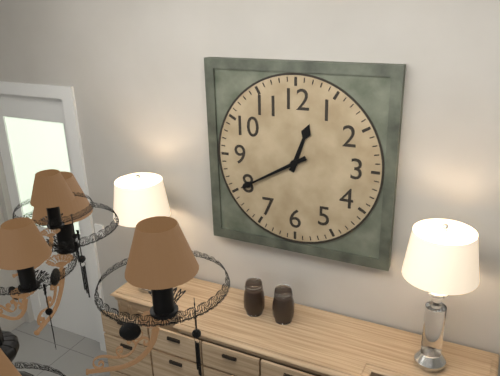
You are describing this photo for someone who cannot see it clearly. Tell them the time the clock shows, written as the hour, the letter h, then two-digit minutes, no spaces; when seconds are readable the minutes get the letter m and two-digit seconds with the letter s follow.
12h40
